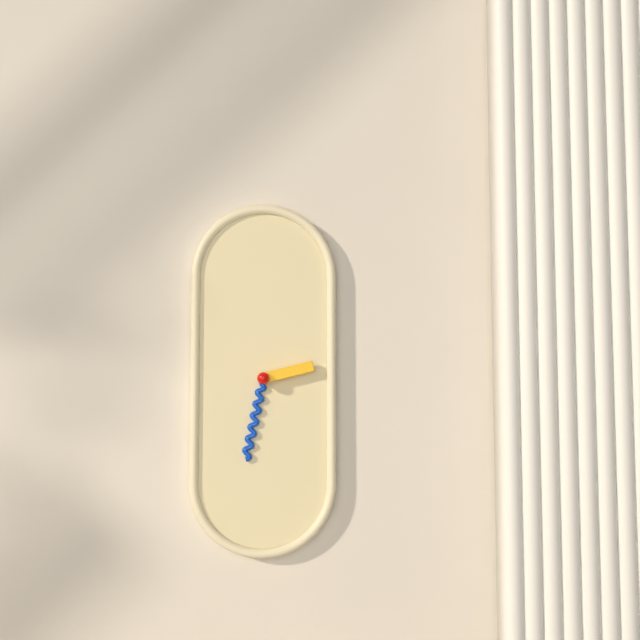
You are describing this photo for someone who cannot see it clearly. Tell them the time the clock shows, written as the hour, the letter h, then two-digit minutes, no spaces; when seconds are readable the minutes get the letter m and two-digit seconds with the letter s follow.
2h32
